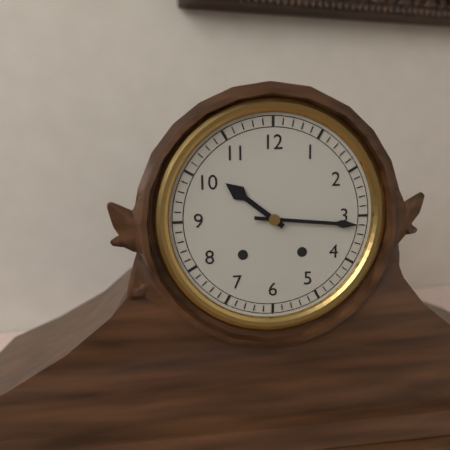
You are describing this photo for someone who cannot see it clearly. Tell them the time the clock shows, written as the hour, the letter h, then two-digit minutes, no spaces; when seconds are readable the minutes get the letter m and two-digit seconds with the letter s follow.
10h16
